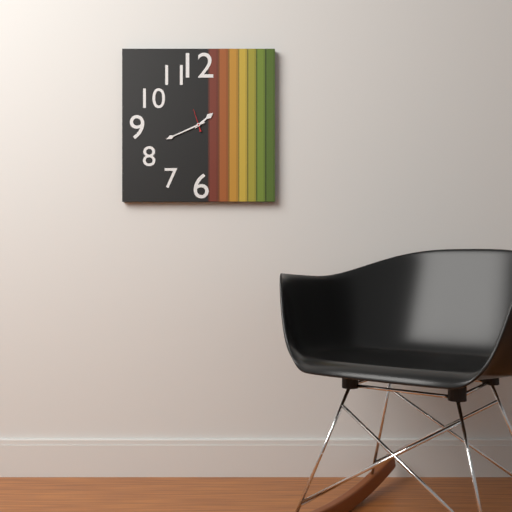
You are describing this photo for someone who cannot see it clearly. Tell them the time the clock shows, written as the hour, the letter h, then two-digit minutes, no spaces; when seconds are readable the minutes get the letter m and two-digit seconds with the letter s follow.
1h41
